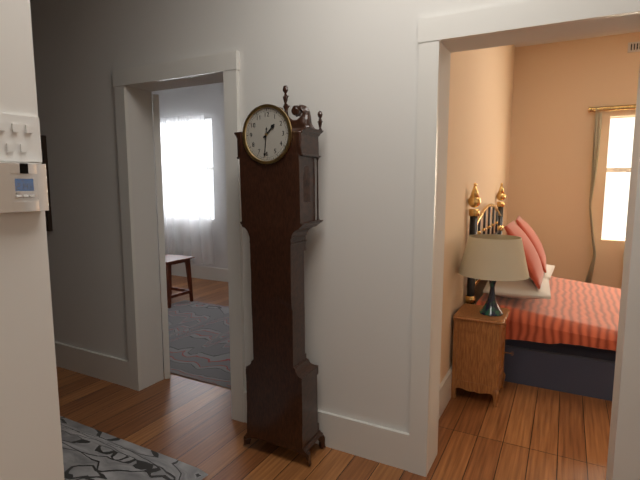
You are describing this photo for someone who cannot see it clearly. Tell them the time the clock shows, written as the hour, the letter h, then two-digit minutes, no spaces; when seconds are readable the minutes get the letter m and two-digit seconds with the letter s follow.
1h31
